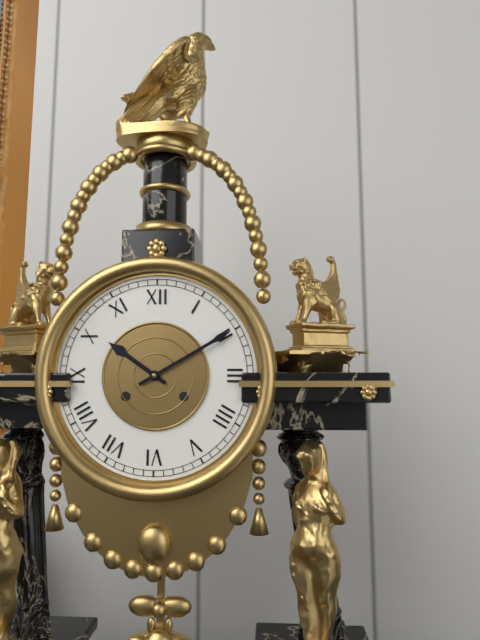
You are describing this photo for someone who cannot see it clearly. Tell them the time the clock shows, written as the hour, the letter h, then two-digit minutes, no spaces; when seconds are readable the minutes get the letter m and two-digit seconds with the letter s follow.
10h10
